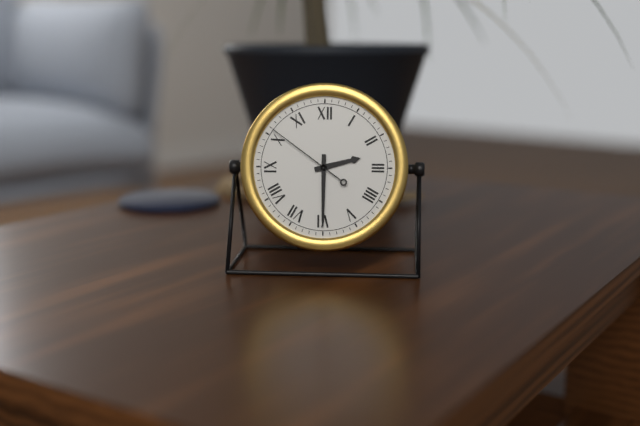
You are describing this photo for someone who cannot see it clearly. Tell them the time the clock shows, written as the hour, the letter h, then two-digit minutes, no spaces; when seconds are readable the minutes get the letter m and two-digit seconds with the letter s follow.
2h30m51s
